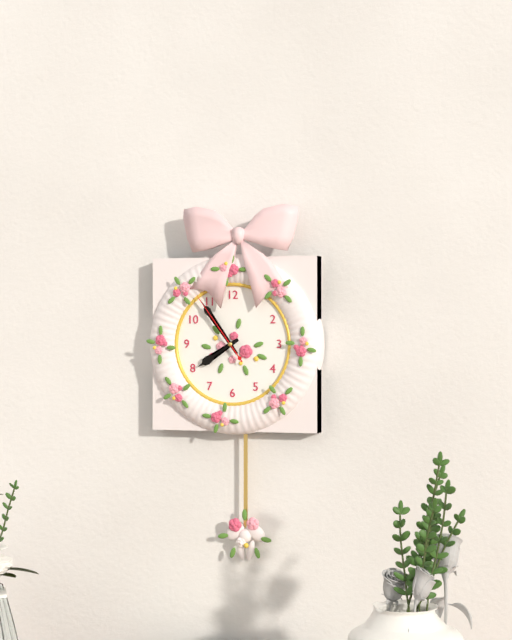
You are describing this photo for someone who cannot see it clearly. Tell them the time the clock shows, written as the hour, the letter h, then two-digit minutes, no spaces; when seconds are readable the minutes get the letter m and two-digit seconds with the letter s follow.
7h54m54s
